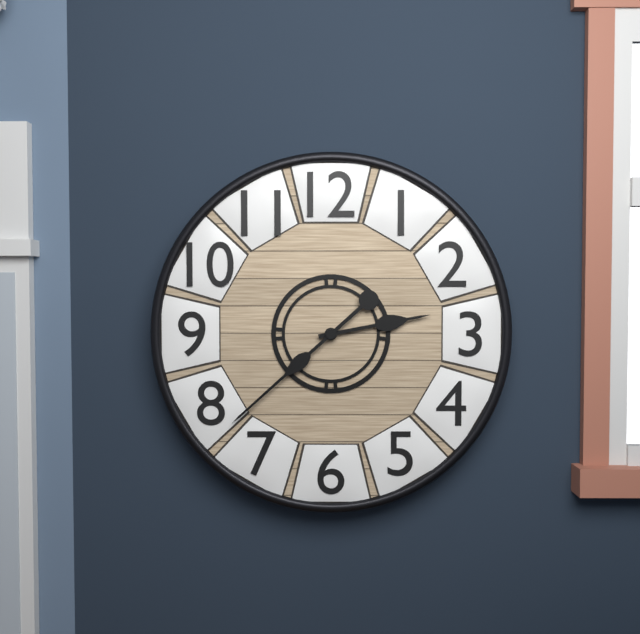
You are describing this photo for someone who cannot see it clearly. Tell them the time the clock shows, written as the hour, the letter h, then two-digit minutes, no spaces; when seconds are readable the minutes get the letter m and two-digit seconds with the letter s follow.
2h38
